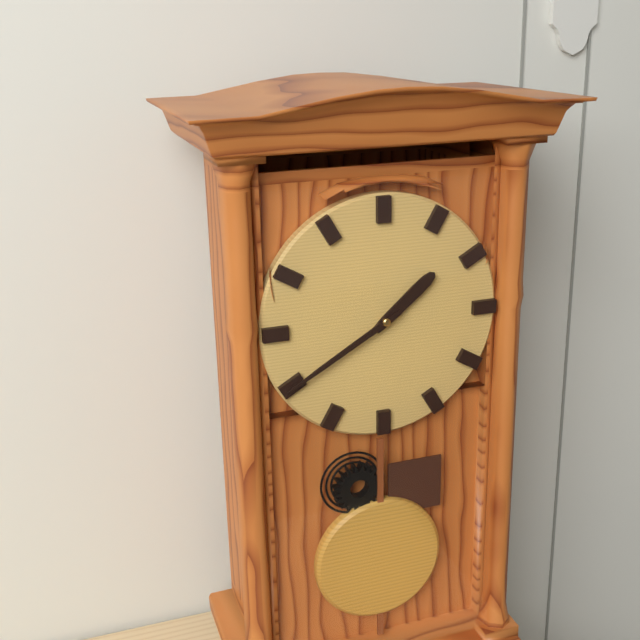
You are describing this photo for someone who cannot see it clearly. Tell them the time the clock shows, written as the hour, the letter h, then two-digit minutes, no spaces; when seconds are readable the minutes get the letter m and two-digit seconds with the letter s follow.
1h40
